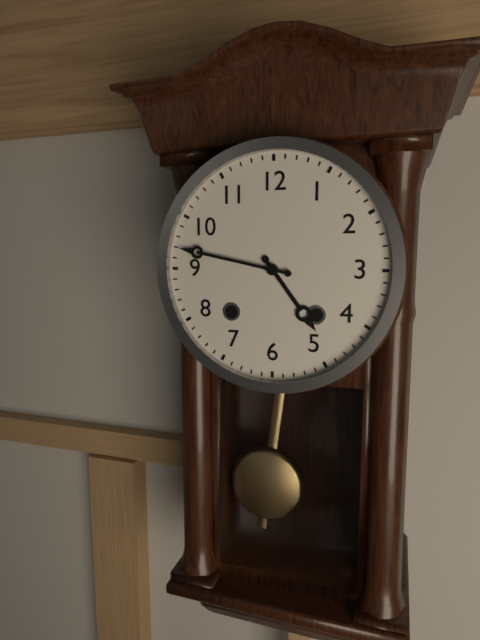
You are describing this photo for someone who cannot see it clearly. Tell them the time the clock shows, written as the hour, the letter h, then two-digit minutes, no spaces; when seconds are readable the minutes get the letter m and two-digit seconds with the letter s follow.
4h47
